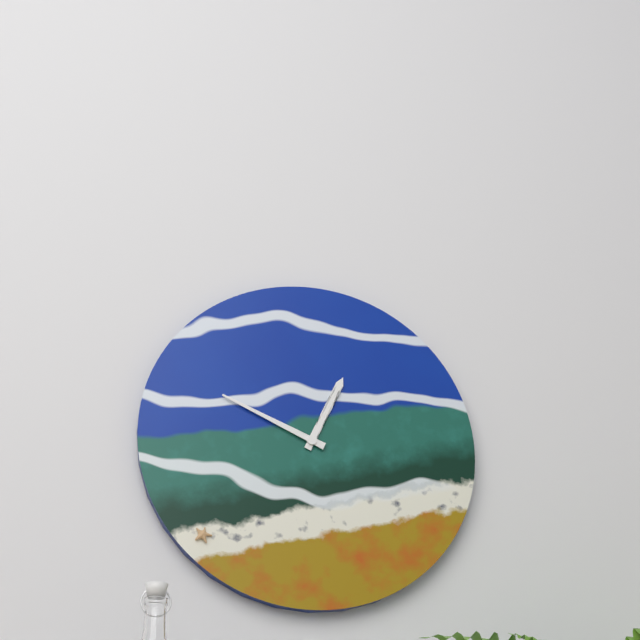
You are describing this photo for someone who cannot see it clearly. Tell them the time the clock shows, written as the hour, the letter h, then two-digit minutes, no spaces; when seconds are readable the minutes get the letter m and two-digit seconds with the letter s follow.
12h49
